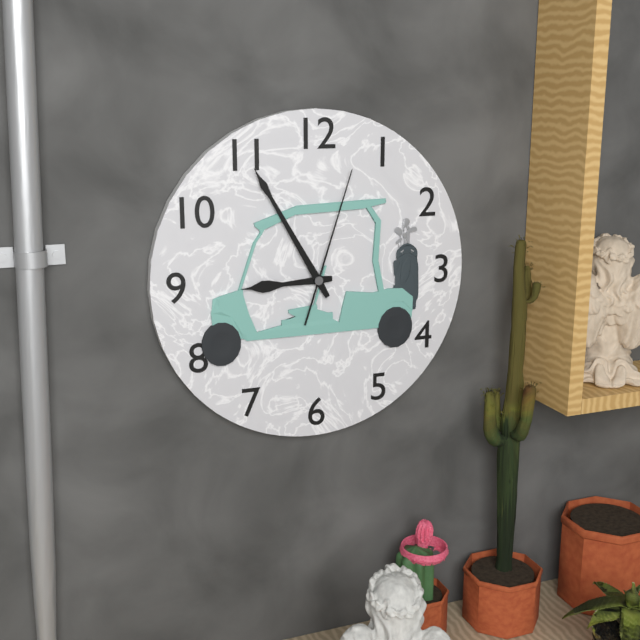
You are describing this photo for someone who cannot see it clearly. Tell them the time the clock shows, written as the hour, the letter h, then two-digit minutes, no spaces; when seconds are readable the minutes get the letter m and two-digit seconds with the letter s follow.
8h55m03s
